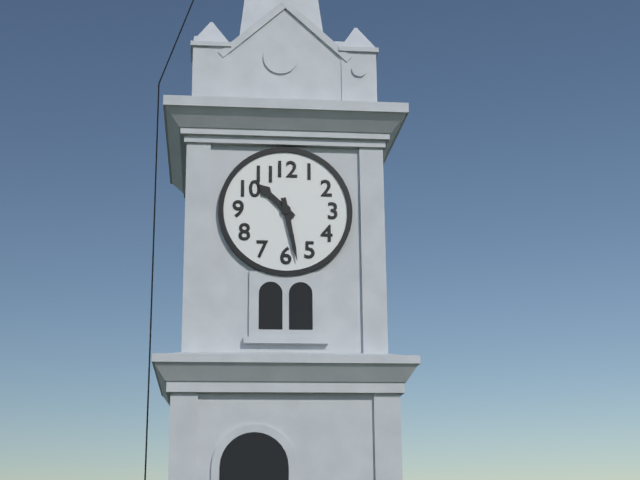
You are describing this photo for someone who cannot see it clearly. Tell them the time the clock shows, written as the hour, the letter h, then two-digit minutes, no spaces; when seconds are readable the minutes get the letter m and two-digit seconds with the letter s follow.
10h28
